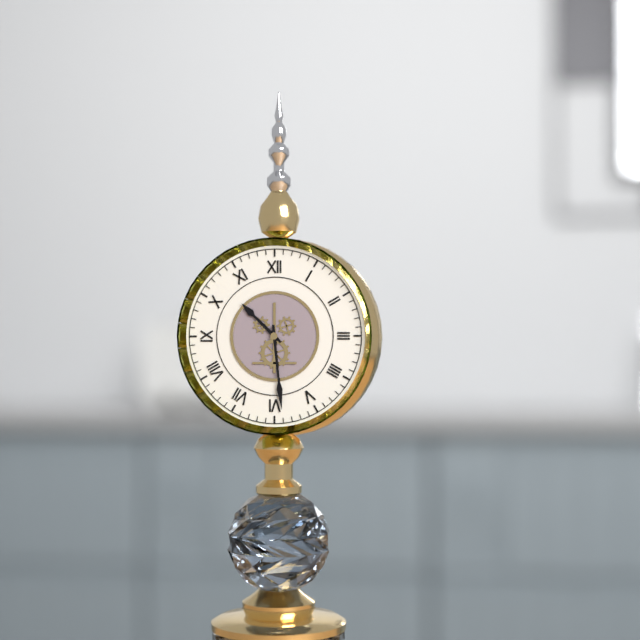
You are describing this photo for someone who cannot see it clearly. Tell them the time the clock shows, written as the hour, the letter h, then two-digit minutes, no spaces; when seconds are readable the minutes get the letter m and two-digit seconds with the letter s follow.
10h29
